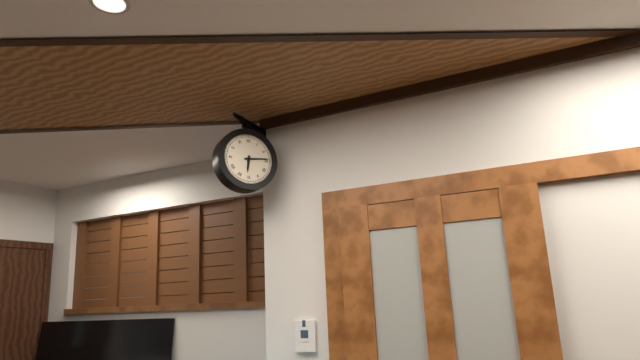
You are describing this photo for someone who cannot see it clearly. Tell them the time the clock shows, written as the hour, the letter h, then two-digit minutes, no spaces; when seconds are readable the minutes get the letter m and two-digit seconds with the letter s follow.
6h14
